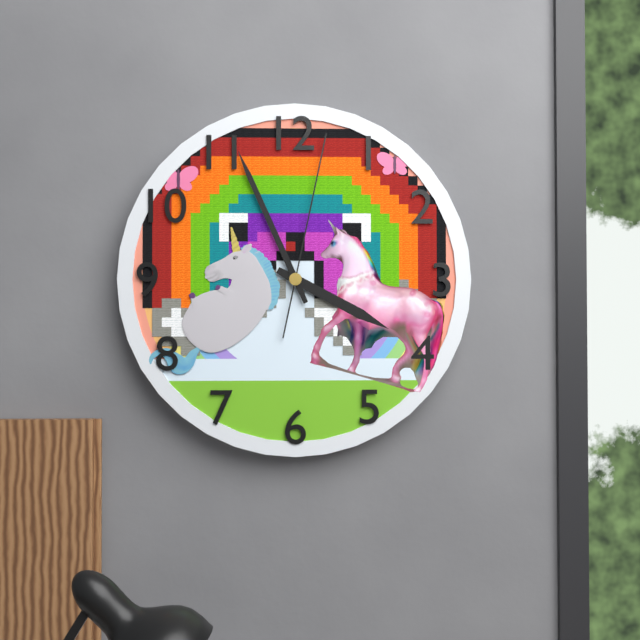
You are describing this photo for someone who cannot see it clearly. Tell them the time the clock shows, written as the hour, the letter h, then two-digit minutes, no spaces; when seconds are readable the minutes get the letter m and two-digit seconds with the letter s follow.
3h56m02s
